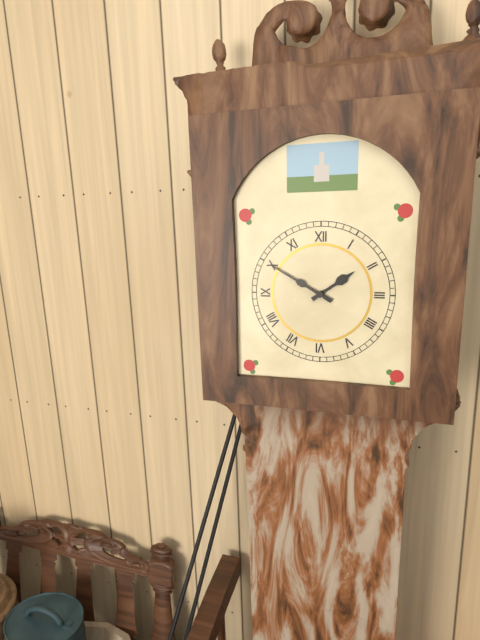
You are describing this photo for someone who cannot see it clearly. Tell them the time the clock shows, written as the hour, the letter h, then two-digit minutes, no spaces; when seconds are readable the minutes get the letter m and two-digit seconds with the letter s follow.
1h50
